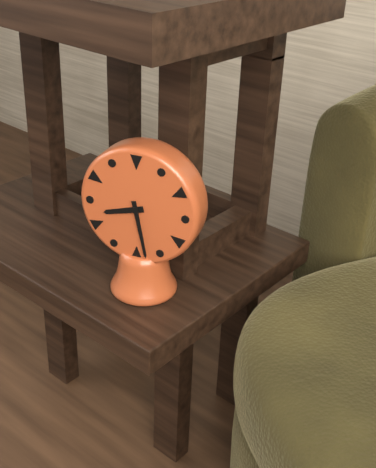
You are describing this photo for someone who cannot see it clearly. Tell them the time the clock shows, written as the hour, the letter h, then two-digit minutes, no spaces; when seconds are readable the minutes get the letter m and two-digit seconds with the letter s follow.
8h28
